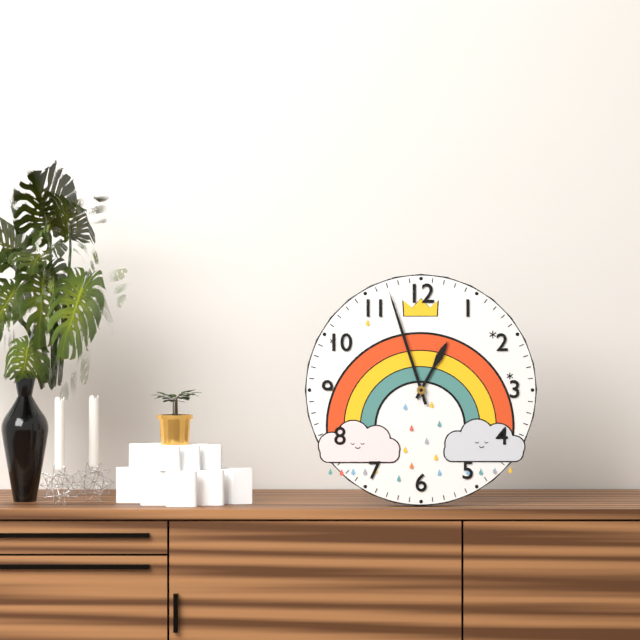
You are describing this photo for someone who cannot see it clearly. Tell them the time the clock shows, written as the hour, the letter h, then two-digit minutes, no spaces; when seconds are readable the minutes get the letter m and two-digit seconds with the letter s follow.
12h57
